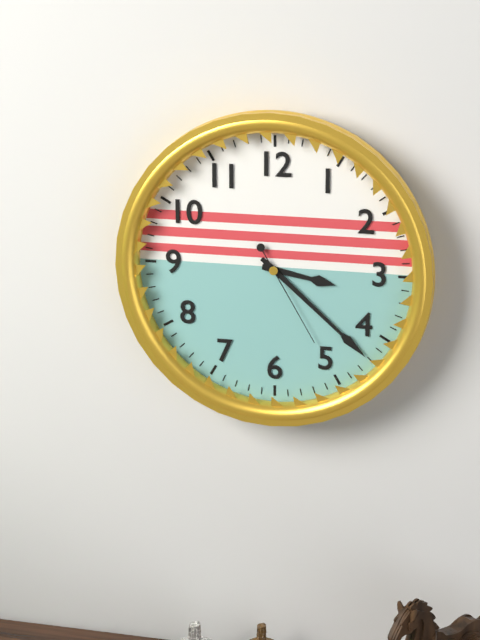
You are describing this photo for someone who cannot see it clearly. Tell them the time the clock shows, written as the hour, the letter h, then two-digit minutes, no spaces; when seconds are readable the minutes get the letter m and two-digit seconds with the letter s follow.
3h22m25s
